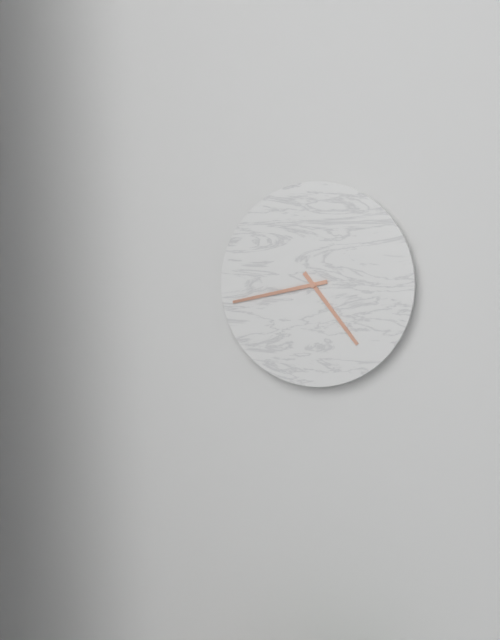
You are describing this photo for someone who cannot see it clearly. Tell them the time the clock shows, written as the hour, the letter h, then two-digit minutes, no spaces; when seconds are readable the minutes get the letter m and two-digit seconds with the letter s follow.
4h43
